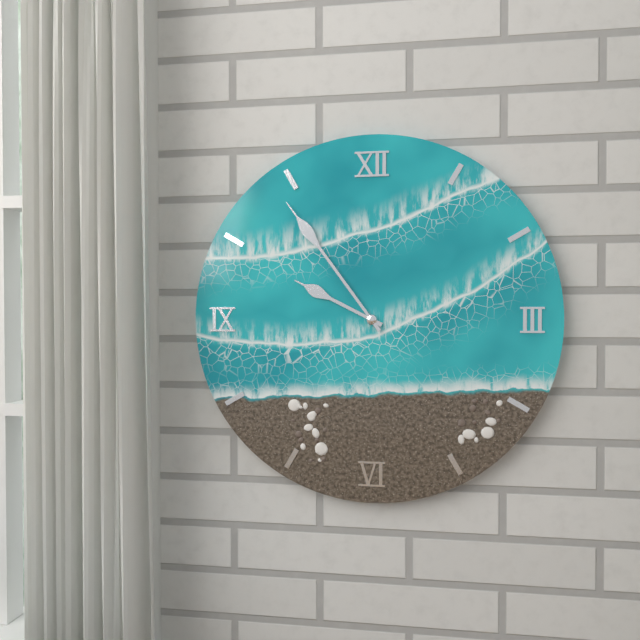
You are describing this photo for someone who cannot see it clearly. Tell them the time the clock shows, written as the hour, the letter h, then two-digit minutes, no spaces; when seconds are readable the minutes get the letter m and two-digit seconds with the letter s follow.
9h54
